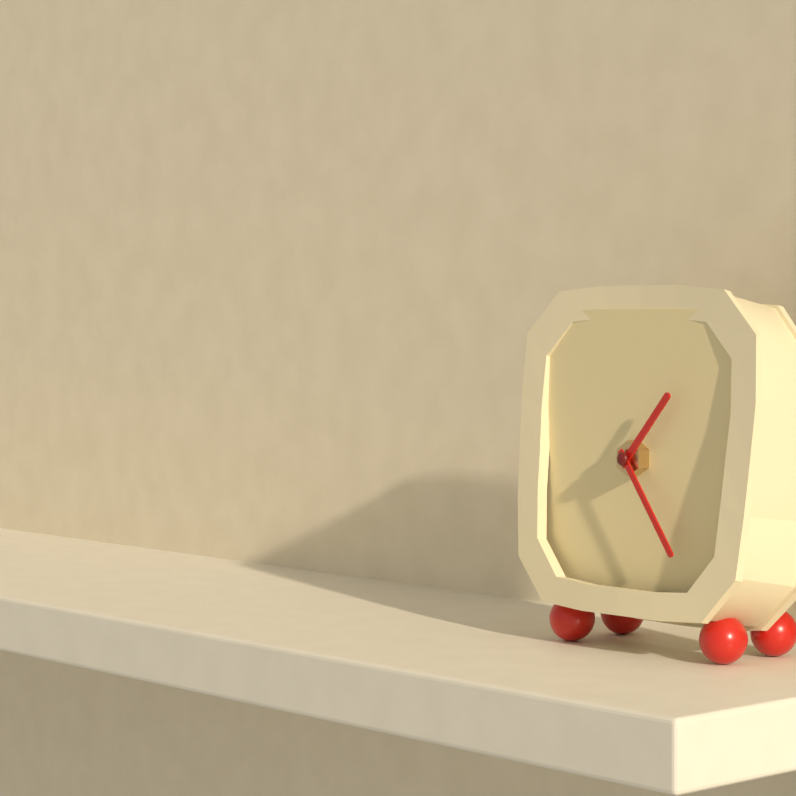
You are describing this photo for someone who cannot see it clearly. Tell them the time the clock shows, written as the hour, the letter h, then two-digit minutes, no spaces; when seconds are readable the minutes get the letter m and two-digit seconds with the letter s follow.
1h24
